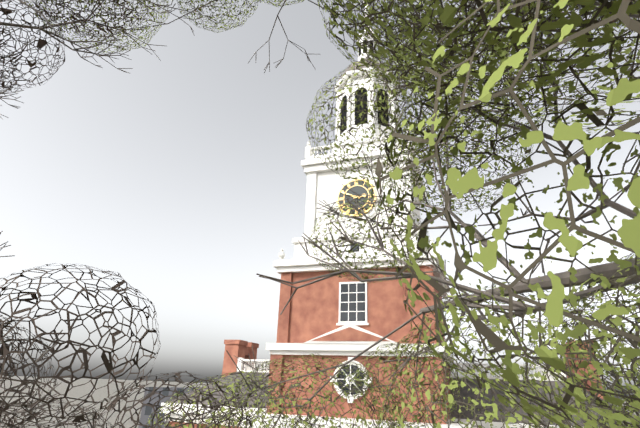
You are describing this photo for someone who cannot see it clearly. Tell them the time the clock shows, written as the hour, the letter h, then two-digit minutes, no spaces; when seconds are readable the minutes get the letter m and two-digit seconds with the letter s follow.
2h49
